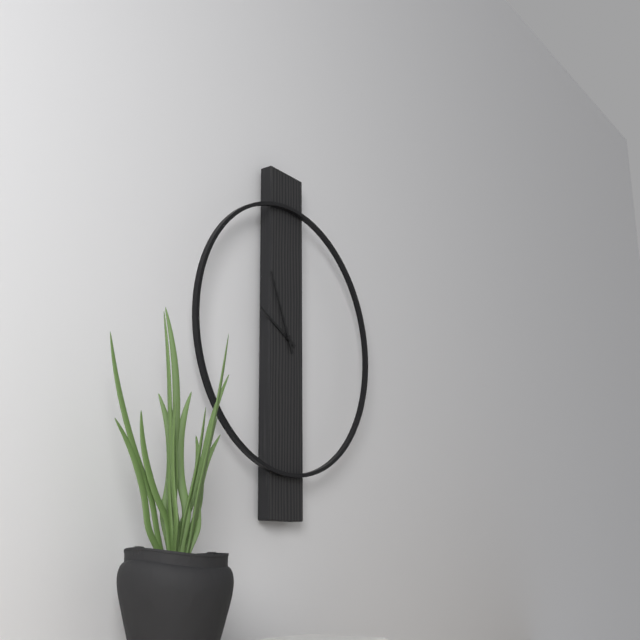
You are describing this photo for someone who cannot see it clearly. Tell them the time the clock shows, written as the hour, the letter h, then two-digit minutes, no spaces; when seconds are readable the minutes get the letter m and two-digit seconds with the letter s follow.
9h56
